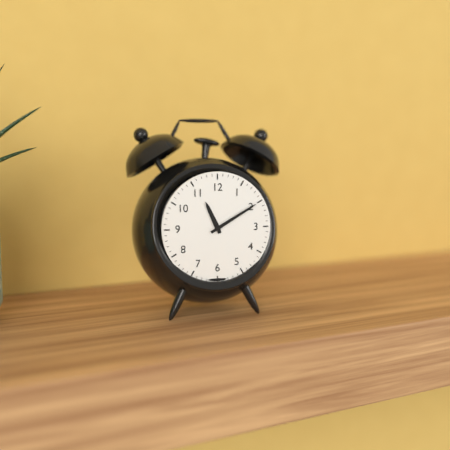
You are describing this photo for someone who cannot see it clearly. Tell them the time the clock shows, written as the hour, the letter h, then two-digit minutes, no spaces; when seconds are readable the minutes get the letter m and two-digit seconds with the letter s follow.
11h10
